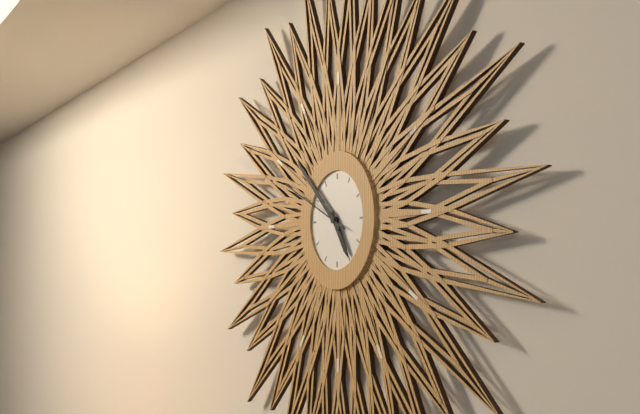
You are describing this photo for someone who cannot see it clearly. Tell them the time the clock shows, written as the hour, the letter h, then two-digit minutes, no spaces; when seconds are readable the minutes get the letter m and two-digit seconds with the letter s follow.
4h52m49s
